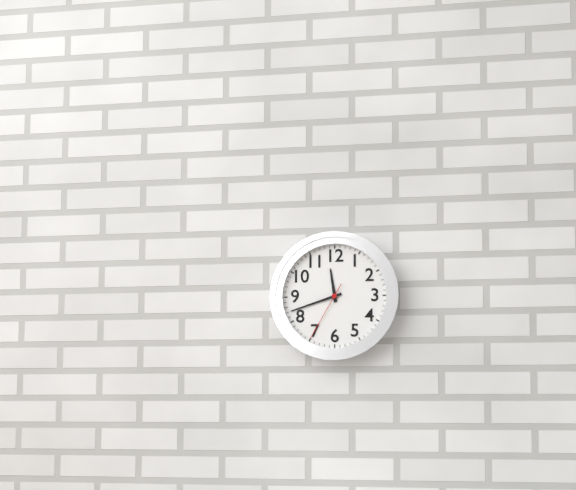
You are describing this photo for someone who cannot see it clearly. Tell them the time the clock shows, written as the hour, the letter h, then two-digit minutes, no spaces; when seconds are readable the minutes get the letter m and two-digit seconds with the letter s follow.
11h42m35s
